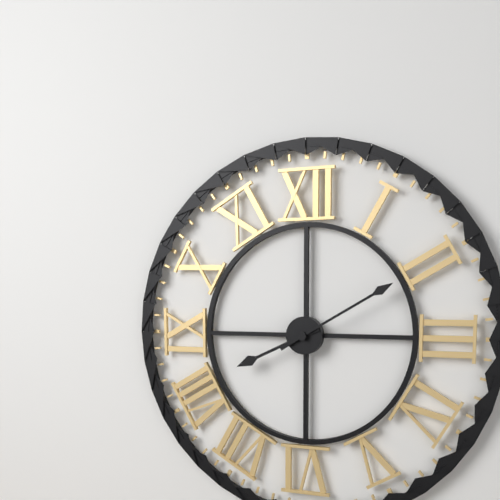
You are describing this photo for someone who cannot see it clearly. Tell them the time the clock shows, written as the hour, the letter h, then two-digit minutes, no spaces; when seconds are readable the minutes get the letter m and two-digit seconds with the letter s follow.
8h10
